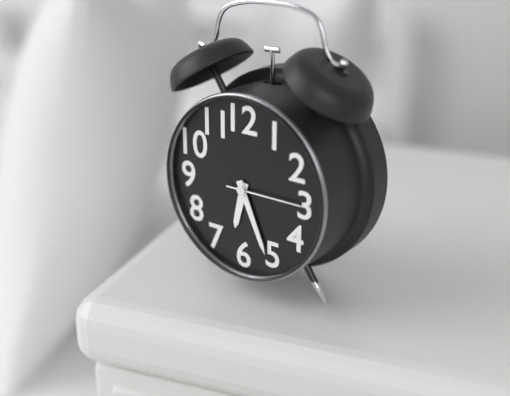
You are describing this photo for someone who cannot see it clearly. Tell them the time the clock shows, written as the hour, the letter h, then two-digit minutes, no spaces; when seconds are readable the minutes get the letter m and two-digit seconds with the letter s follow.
6h26m15s
